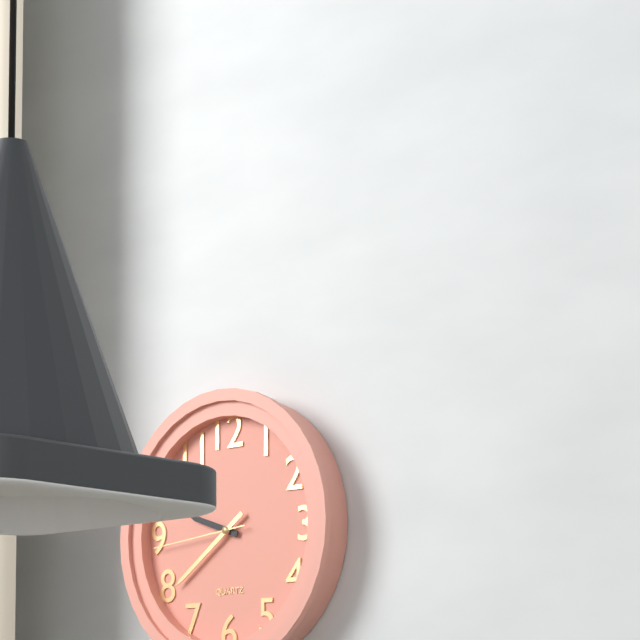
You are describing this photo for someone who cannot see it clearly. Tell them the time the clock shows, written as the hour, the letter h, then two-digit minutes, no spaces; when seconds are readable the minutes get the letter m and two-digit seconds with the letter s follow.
9h39m44s
